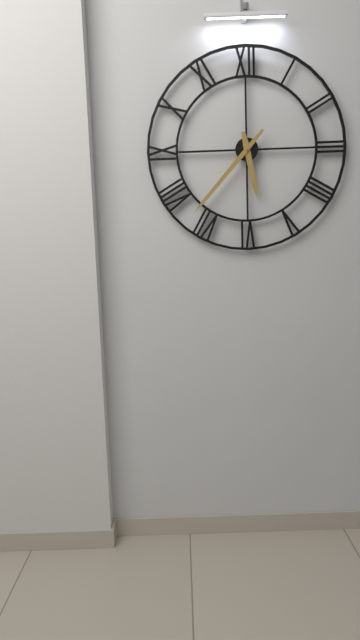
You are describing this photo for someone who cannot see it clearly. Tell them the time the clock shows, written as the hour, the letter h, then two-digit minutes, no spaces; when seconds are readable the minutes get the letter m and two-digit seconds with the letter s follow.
5h37
